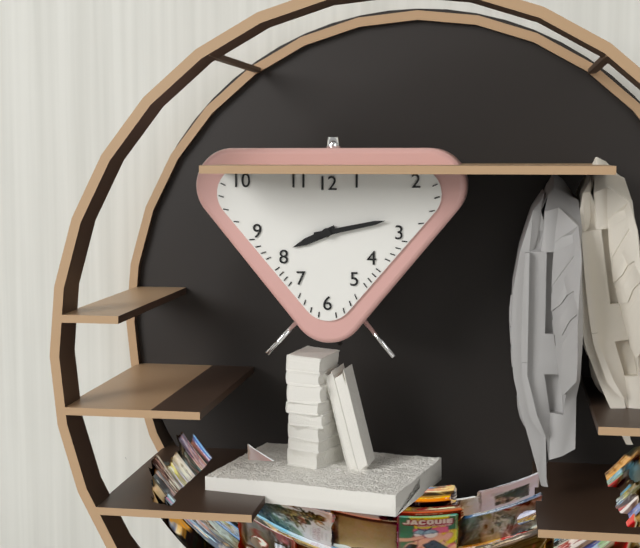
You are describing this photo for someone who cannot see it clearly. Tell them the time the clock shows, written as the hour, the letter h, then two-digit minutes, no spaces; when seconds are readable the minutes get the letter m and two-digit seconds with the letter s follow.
8h13
